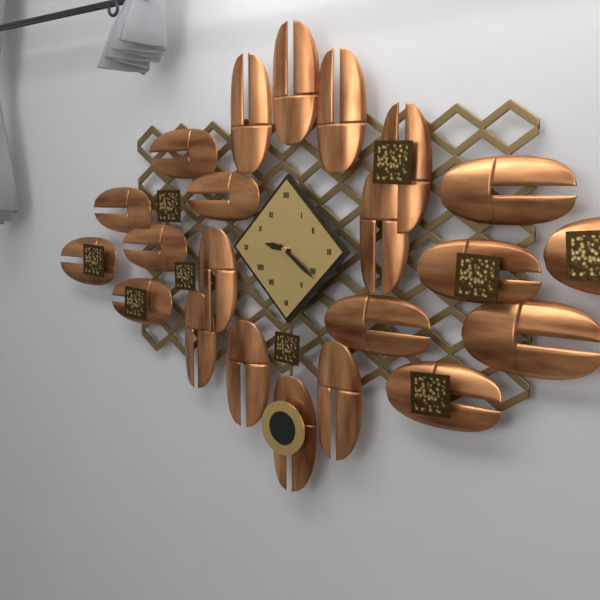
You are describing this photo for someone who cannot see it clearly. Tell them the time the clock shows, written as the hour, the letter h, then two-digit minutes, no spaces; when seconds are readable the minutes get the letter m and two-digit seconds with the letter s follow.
9h21
